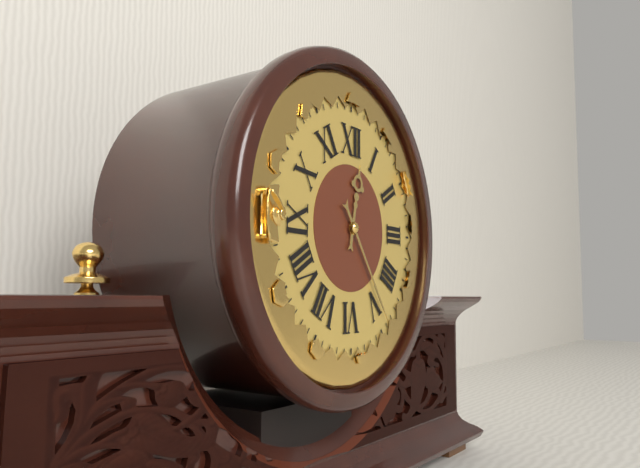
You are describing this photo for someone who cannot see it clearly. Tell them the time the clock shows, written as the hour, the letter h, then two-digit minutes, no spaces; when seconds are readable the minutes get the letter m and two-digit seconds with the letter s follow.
12h24
